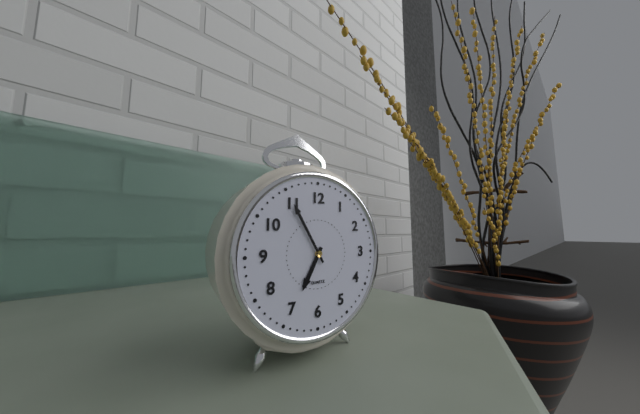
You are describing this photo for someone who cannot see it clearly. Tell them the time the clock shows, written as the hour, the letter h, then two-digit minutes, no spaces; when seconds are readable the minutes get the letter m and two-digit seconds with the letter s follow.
6h55
